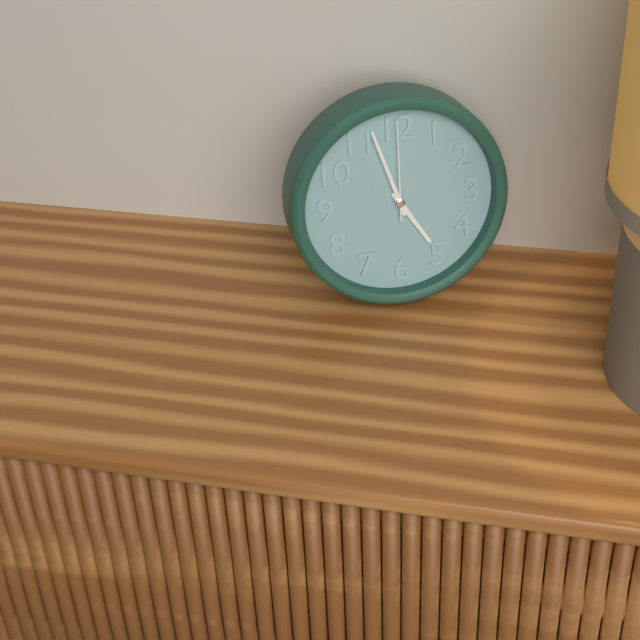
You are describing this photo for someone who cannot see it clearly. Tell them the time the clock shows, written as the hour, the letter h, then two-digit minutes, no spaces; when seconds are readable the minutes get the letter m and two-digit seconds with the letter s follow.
4h57m00s
